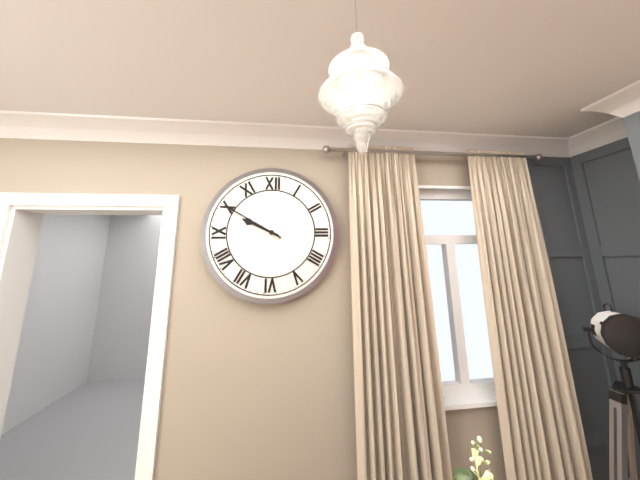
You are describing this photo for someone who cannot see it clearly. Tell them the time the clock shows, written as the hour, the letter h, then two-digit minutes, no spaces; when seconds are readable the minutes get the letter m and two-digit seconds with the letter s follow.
9h50
